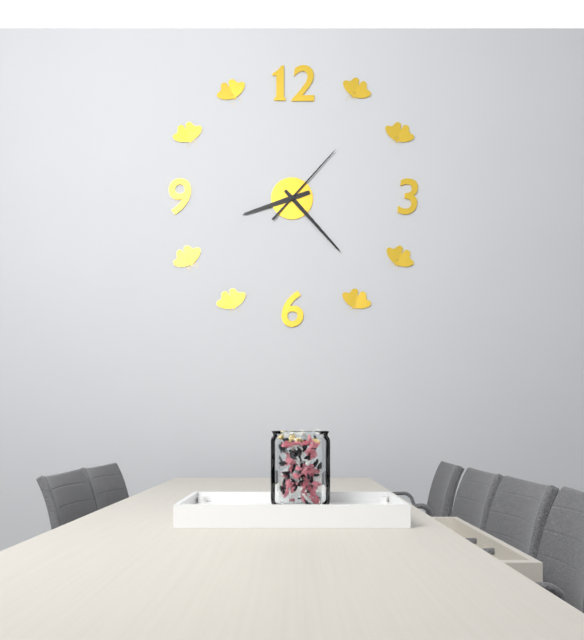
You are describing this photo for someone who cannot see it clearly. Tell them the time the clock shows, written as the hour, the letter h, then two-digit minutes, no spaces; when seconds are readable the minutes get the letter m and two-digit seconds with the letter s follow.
8h23m07s
